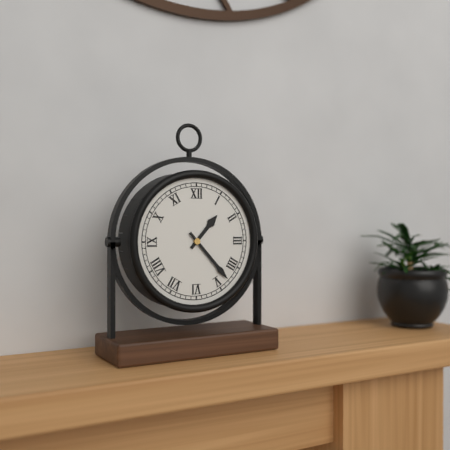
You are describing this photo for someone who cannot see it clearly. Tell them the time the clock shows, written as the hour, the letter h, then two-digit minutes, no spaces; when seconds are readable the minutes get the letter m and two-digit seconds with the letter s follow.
1h23
